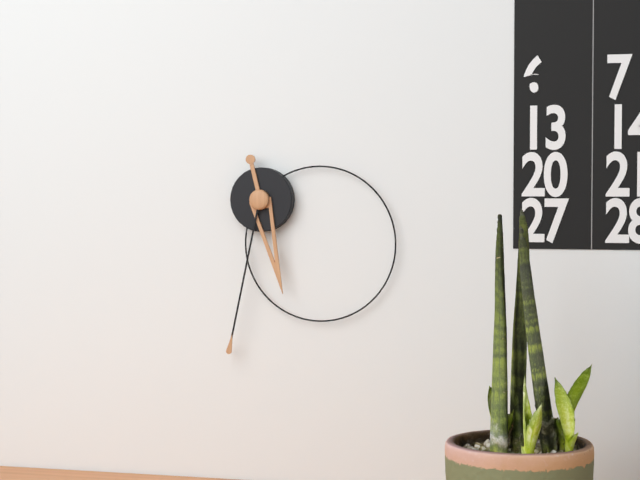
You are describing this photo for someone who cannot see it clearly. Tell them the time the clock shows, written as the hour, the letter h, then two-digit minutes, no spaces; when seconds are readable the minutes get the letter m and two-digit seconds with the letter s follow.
5h32
